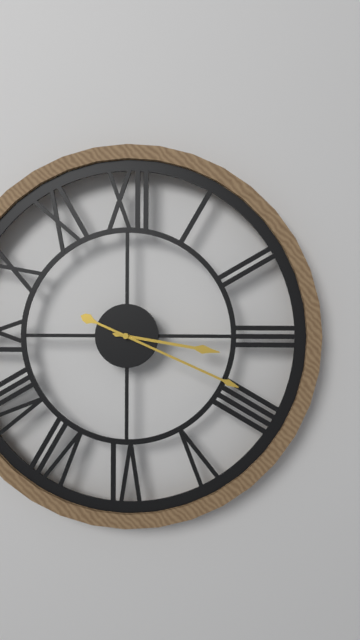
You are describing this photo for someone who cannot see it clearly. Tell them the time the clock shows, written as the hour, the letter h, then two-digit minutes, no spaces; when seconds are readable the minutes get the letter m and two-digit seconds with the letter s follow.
3h19
